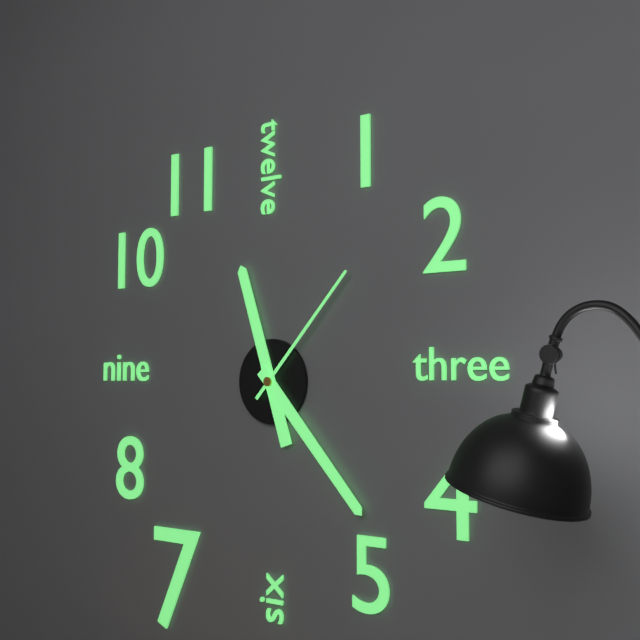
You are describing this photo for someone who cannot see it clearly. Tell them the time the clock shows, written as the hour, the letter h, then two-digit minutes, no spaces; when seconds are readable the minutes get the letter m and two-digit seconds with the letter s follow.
11h23m07s
